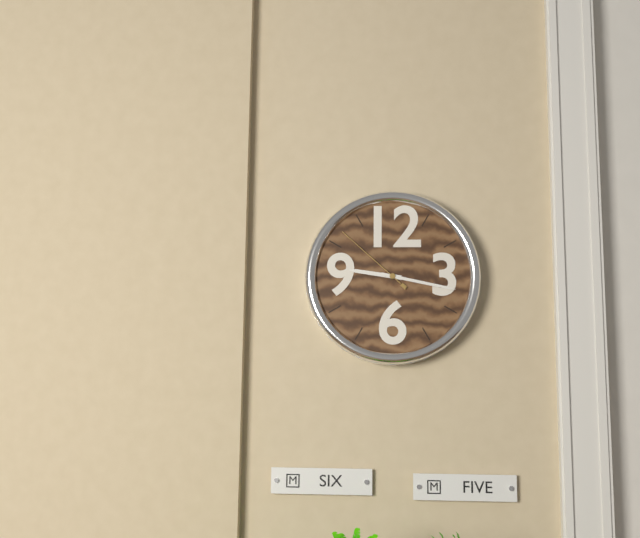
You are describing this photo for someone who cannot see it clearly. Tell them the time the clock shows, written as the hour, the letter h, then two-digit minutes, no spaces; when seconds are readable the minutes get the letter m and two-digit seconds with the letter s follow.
9h17m52s
